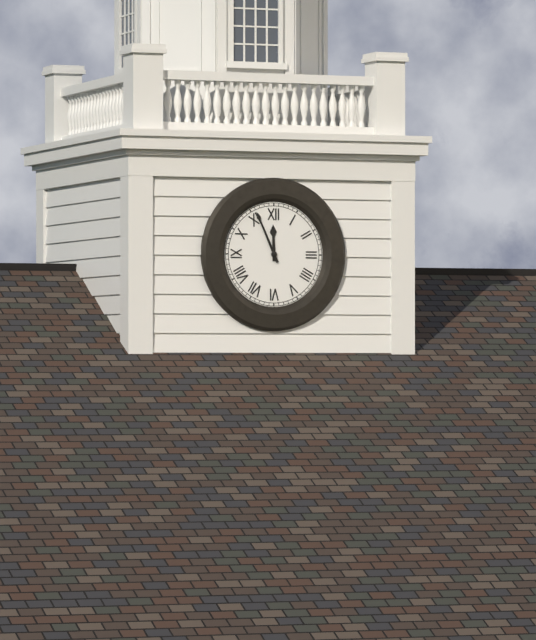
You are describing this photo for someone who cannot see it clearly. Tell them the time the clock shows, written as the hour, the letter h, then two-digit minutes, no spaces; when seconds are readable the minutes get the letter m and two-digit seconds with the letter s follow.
11h56
